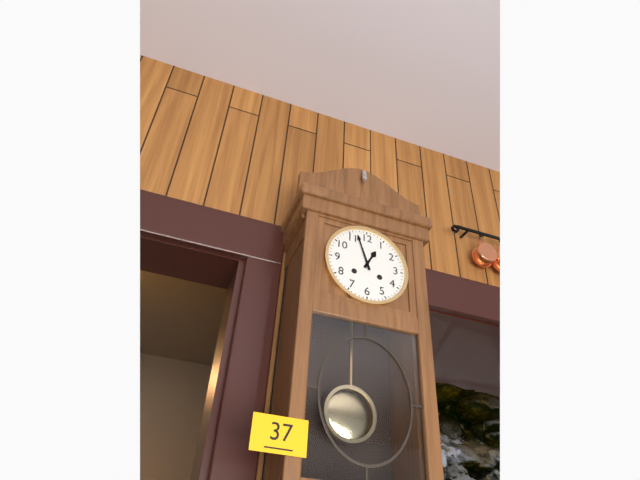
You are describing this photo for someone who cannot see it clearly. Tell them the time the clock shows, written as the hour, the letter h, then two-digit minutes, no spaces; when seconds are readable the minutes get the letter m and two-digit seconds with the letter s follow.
12h57
